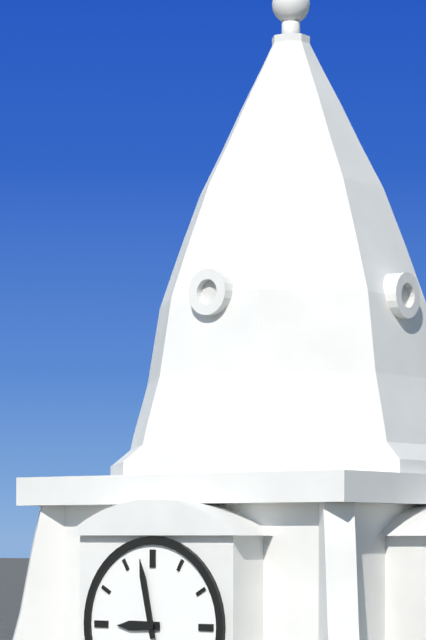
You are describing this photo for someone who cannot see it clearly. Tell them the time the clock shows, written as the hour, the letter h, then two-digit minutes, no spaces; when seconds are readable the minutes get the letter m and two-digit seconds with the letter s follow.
8h58
